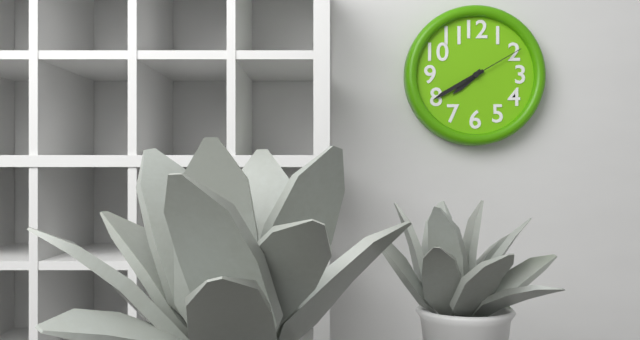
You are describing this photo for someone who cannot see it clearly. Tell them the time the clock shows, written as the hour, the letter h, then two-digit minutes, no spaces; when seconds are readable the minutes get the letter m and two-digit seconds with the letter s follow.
7h40m10s
